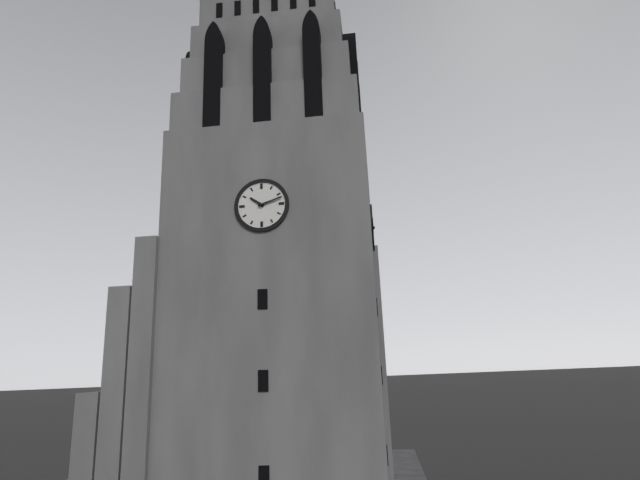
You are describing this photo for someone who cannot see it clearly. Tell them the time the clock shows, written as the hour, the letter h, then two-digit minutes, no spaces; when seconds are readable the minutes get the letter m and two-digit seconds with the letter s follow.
10h12
